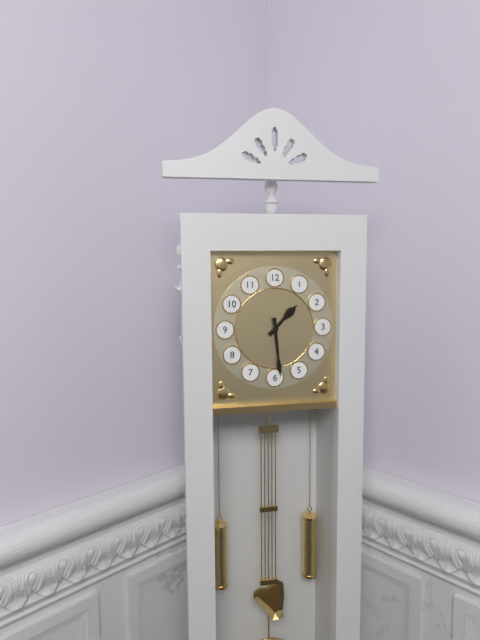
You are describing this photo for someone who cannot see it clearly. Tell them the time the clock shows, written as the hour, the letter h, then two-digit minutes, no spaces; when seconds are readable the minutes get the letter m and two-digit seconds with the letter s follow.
1h29
